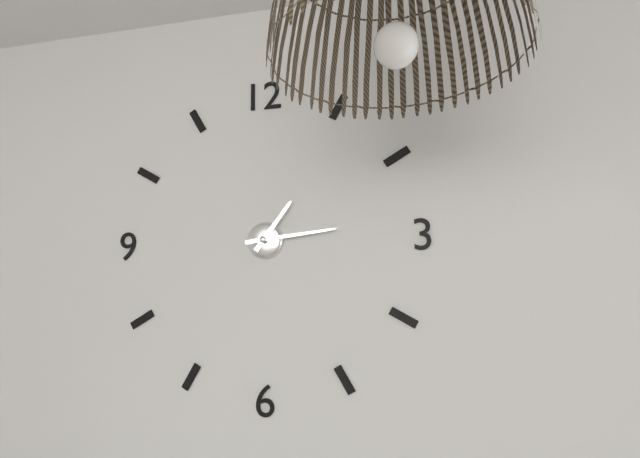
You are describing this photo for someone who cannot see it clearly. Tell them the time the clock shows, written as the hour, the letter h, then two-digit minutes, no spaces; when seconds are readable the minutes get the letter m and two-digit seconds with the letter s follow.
1h14
